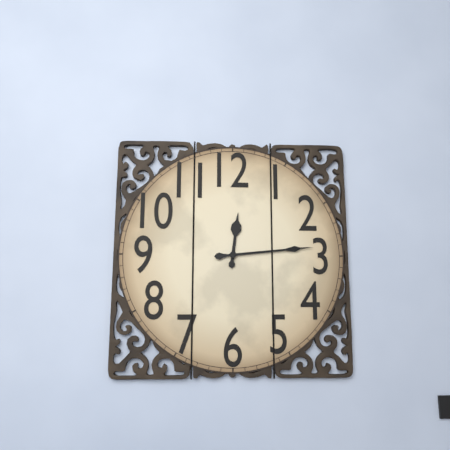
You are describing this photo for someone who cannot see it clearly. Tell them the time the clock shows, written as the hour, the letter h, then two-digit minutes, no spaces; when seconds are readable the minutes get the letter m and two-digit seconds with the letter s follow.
12h14
